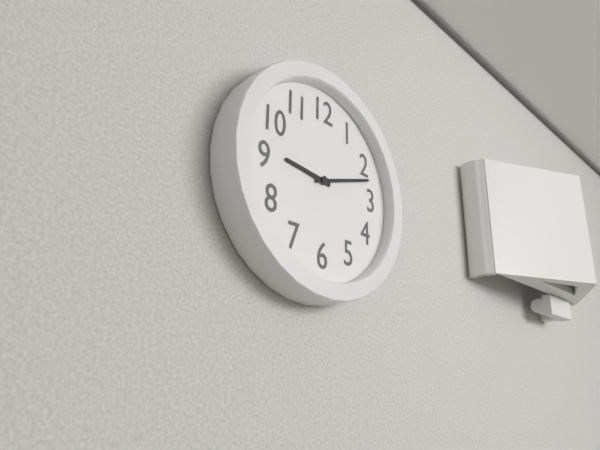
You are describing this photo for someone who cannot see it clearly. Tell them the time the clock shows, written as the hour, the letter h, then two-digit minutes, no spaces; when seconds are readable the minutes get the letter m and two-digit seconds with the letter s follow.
9h12
